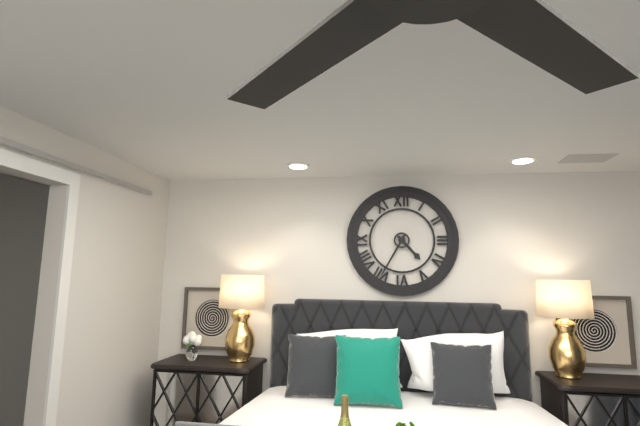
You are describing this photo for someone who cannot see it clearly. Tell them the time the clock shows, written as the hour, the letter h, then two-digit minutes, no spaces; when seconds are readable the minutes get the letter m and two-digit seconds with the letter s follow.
4h35
